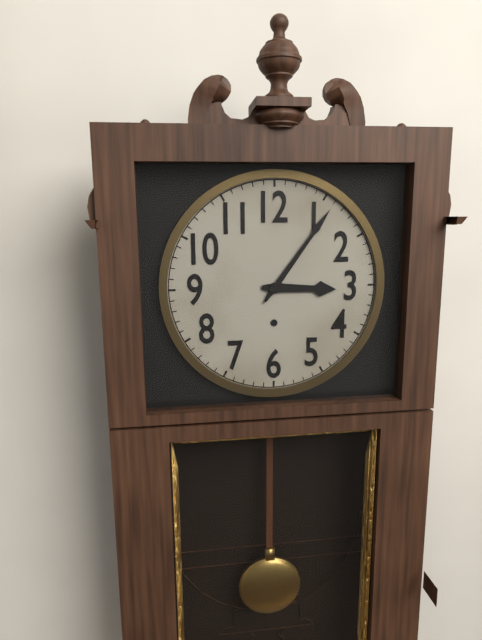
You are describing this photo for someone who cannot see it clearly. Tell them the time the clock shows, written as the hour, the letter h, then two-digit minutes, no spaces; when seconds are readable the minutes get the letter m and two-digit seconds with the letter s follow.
3h06
